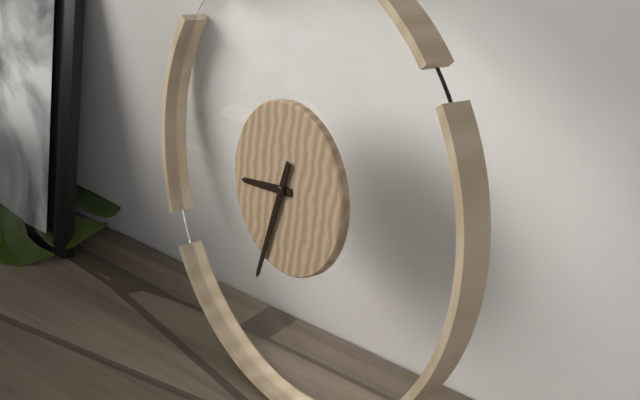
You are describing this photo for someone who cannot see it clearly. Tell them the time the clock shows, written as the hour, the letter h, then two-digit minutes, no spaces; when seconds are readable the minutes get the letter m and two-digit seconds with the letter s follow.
8h32
